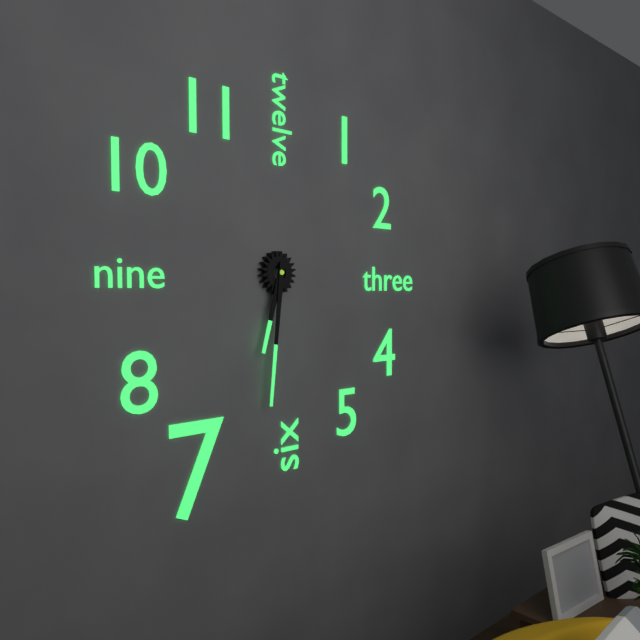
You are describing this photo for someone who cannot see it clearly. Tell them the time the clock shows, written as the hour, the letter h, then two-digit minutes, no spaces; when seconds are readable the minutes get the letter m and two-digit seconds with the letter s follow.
6h31
